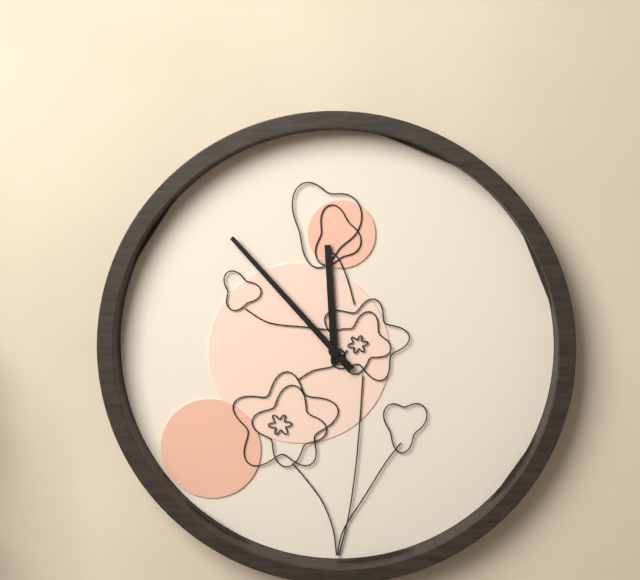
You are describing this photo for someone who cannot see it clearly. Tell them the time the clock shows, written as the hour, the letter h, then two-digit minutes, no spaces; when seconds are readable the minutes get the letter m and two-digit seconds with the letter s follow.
11h53
